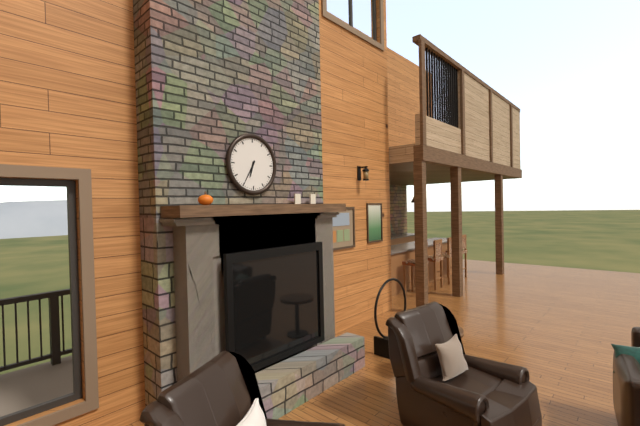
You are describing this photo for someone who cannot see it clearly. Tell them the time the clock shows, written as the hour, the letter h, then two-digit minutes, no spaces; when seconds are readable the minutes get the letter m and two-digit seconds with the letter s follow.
6h35
